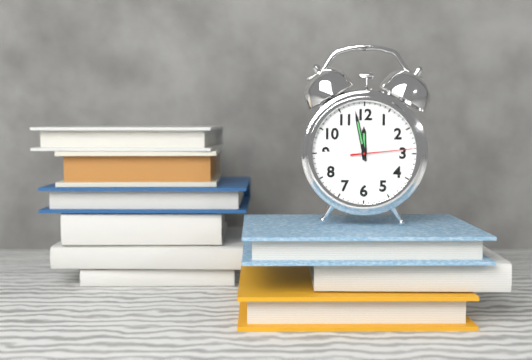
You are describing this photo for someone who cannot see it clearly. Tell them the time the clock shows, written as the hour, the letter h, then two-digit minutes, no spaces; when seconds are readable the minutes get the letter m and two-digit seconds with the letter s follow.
11h58m14s
